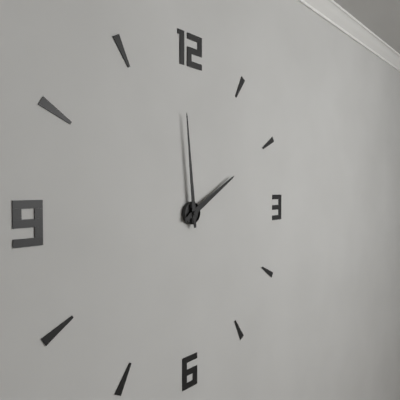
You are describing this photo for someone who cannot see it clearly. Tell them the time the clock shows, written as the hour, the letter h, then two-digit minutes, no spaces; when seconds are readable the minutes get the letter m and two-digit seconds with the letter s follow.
1h59
